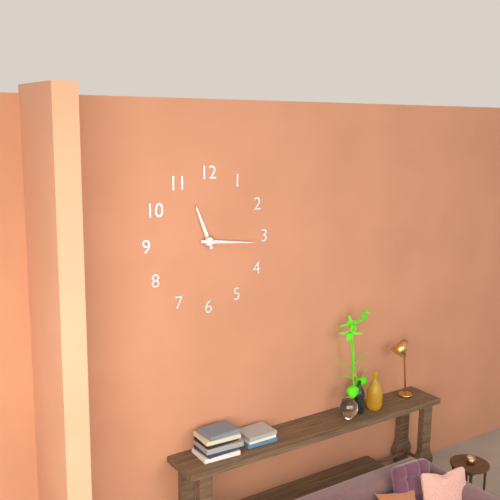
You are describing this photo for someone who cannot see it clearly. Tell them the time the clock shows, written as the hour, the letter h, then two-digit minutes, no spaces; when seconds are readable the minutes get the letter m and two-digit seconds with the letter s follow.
11h16
